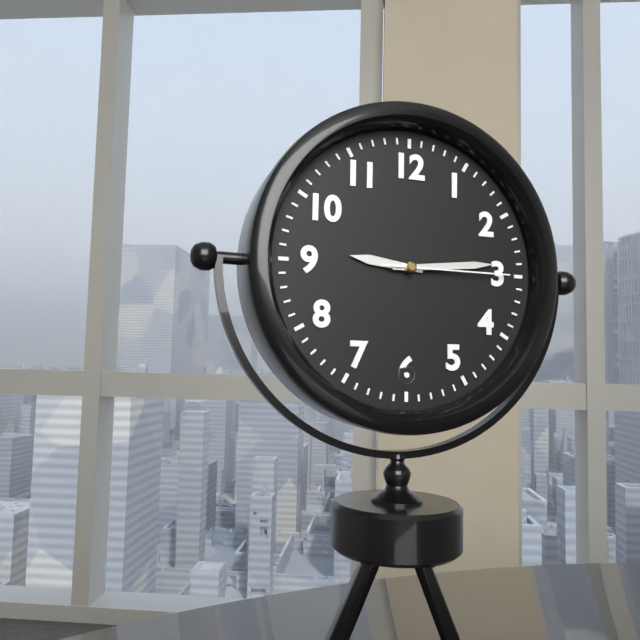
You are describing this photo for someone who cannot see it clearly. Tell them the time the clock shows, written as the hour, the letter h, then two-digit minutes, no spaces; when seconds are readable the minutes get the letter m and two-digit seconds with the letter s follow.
9h14m15s
